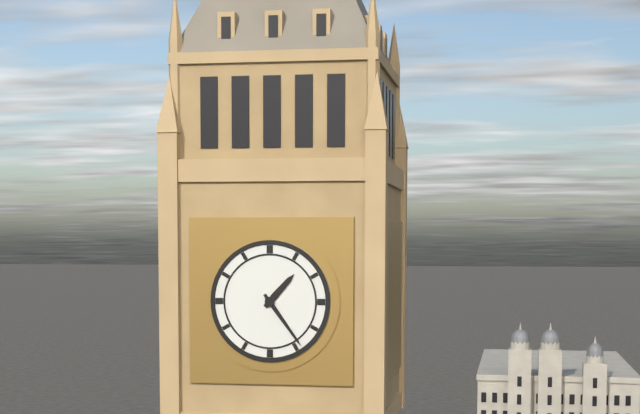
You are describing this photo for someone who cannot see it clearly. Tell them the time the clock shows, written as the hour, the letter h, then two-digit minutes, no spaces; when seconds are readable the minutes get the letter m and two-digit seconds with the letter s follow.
1h24
